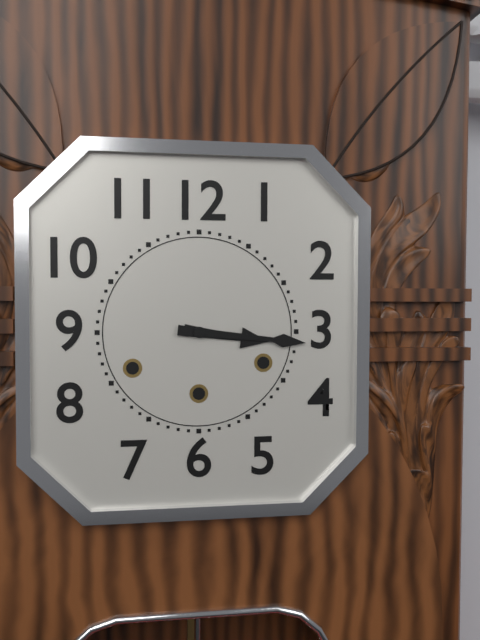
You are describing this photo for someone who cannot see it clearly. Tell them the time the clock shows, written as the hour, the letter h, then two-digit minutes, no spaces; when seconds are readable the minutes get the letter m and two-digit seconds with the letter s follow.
3h16
